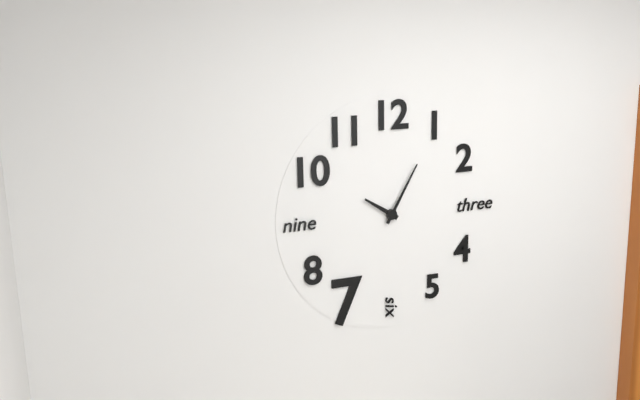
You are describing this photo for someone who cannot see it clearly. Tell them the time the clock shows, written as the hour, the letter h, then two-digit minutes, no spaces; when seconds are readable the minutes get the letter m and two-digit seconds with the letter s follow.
10h05
